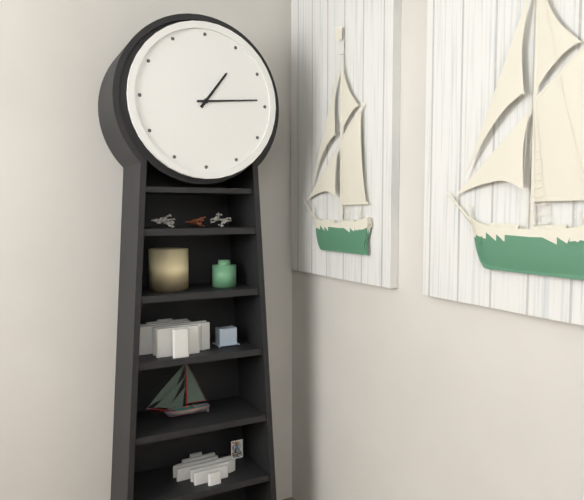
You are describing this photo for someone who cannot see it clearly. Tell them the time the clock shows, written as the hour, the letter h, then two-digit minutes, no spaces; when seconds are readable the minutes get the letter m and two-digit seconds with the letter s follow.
1h14
